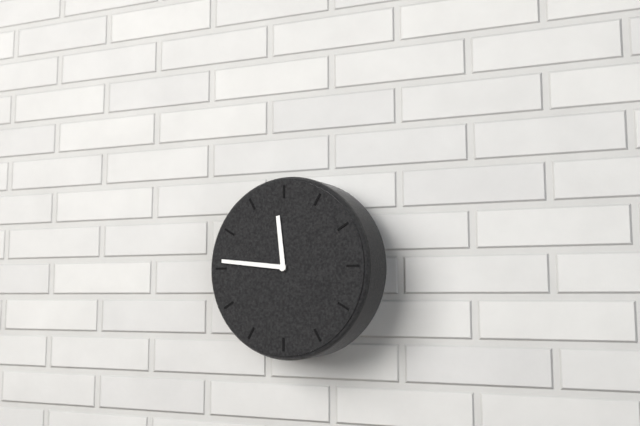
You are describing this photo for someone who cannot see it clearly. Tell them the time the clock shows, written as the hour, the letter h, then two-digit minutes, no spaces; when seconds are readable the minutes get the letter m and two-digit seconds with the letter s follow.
11h46
